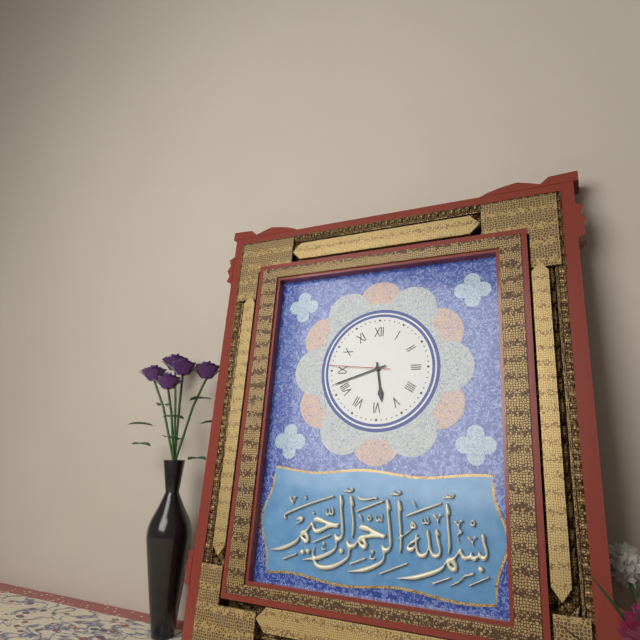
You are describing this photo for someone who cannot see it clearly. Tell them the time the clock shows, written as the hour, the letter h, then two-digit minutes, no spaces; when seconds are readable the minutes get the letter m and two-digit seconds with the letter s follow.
5h42m46s
